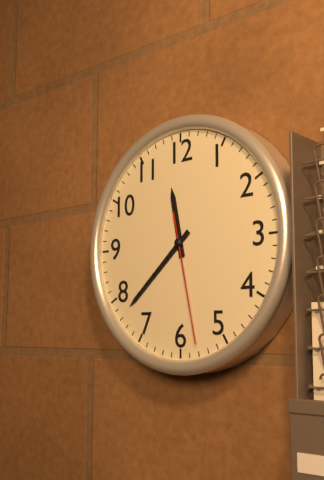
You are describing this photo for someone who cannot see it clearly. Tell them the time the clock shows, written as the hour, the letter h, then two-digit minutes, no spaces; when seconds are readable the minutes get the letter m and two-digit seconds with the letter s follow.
11h38m28s
